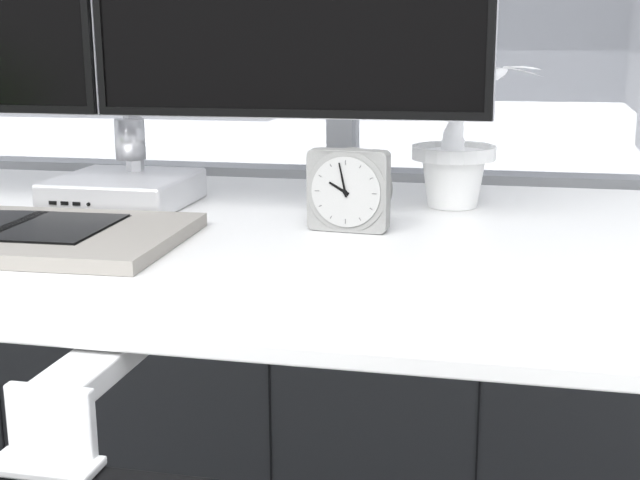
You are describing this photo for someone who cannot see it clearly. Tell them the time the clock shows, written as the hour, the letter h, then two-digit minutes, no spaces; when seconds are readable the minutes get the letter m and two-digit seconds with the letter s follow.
9h58
